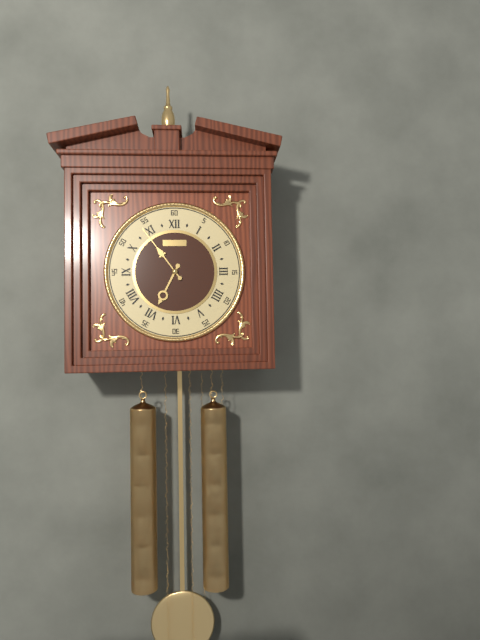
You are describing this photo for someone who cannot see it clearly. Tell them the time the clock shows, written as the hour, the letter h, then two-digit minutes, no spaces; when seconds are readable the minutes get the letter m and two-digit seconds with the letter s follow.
6h54
